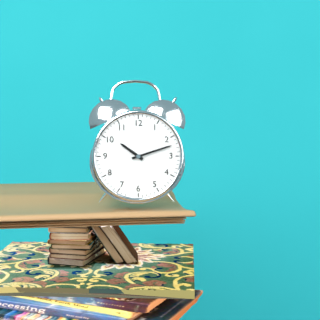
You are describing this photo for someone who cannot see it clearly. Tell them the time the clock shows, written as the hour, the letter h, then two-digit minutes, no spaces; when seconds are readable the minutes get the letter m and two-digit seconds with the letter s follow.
10h12
